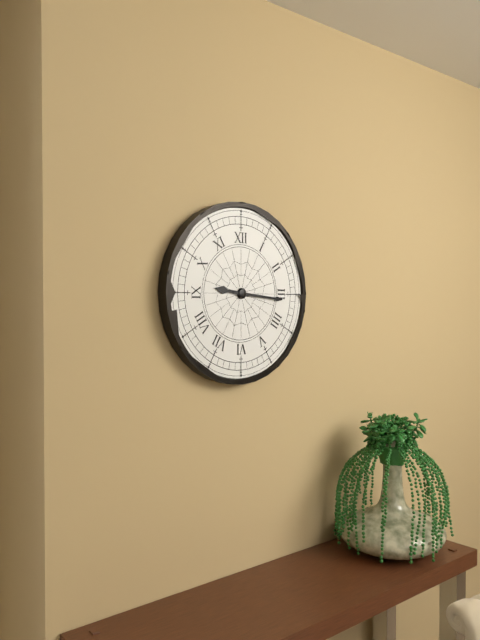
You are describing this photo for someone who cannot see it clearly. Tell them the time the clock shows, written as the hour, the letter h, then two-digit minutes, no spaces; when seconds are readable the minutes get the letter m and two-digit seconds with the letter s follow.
9h16
